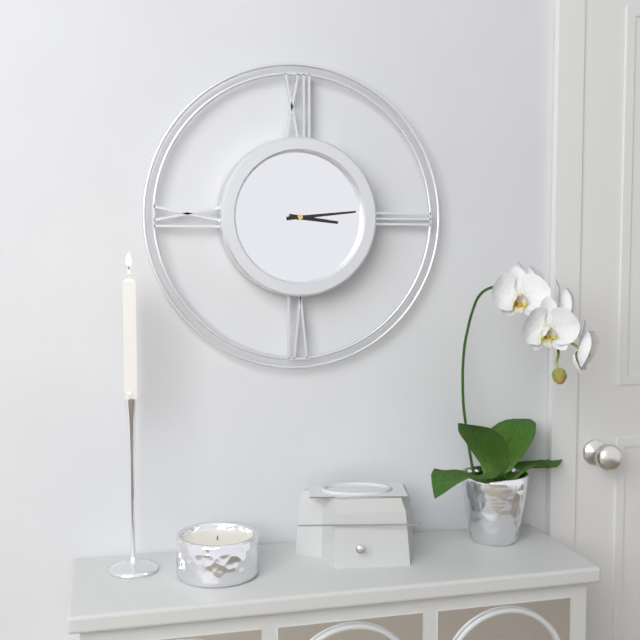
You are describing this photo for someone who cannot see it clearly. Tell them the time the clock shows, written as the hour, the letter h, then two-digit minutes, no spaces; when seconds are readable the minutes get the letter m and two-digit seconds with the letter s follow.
3h14
